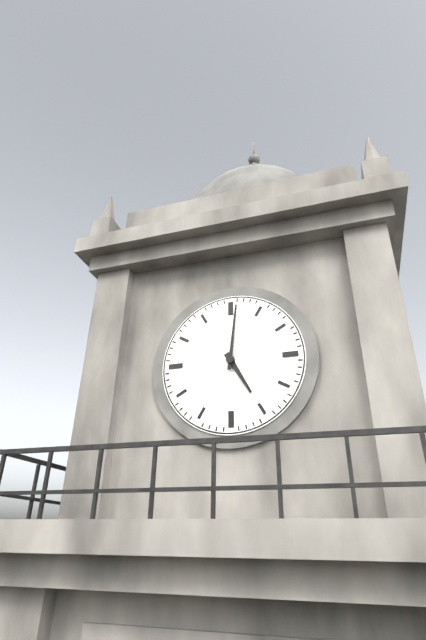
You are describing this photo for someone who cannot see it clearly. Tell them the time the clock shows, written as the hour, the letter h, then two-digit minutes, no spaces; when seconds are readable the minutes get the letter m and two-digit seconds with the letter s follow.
5h01
